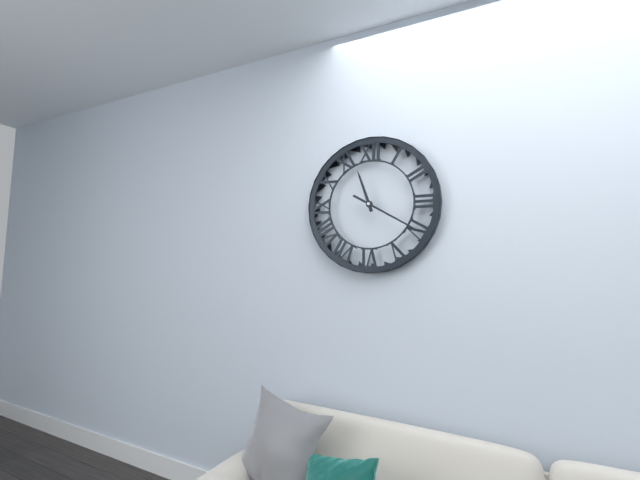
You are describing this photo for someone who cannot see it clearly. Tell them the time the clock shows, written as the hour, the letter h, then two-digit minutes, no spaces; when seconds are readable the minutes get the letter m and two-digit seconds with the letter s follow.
11h20
